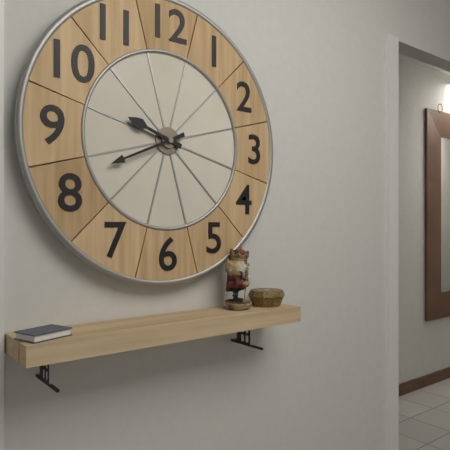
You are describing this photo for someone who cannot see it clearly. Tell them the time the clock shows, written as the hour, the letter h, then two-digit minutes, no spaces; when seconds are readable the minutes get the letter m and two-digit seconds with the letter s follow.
9h41
